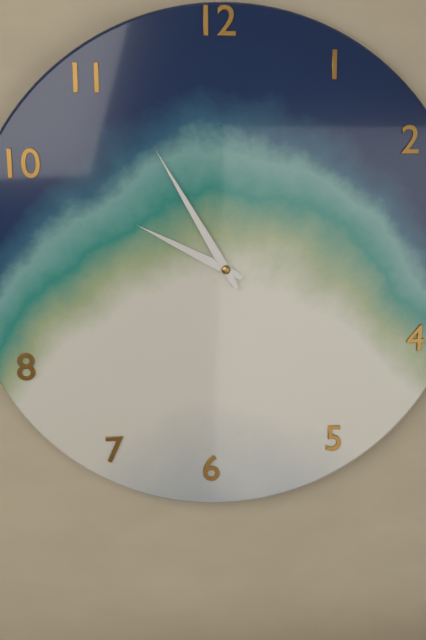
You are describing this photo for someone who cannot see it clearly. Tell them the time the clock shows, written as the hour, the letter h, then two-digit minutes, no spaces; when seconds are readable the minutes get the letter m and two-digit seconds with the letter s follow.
9h55
